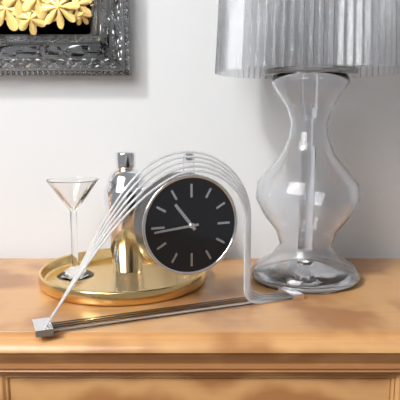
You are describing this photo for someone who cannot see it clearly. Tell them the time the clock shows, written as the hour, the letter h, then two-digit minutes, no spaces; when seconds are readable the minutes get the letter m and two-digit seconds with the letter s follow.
10h44
